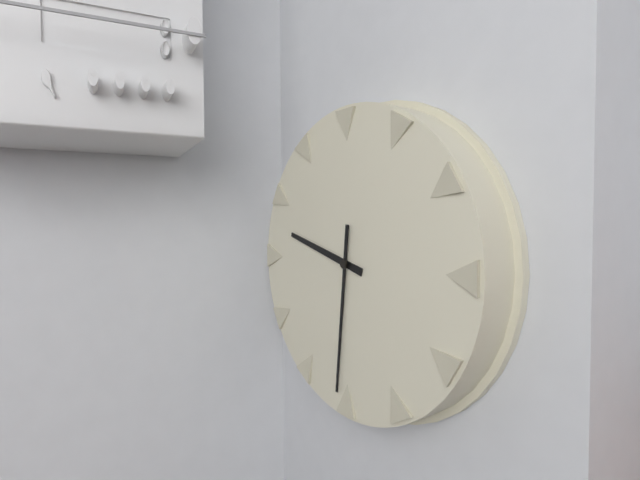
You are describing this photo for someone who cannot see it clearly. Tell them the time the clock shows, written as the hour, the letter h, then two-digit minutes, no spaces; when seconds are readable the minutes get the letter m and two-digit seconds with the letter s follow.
9h31
